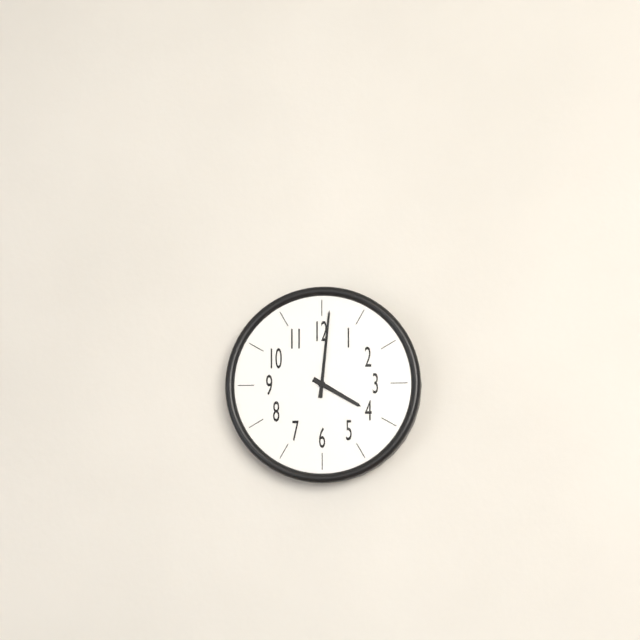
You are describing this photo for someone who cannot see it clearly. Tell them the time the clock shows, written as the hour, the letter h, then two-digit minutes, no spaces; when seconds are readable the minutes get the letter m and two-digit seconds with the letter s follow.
4h01
